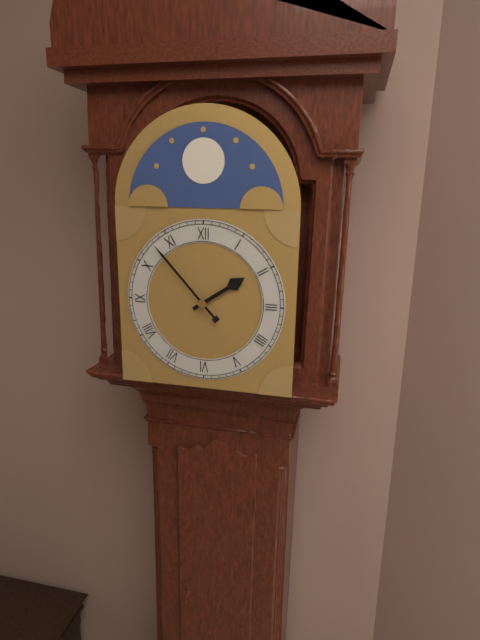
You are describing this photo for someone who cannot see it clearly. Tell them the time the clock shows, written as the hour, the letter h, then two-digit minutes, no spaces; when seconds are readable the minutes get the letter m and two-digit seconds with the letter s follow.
1h53
